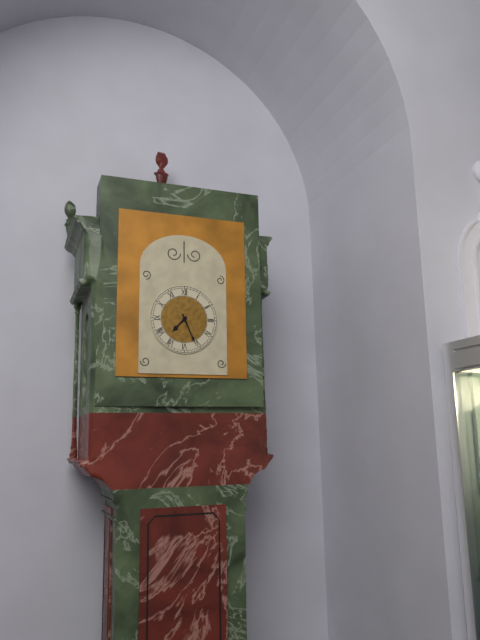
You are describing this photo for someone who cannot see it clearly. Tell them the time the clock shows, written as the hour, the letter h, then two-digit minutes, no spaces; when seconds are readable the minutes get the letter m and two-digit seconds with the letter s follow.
7h26
